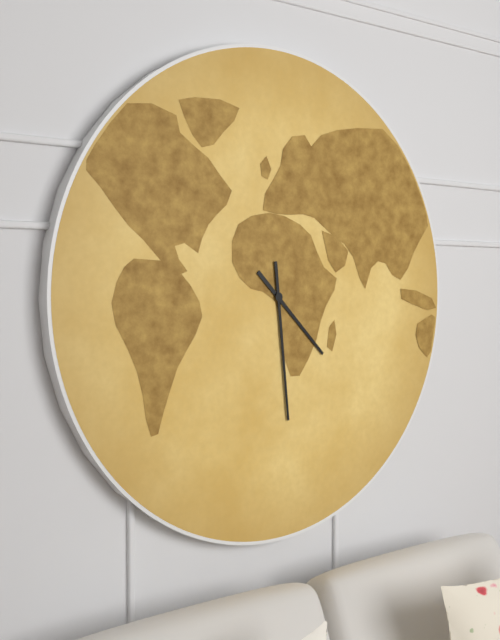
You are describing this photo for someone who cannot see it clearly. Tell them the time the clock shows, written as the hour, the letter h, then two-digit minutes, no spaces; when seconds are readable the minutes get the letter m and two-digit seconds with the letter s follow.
4h29
